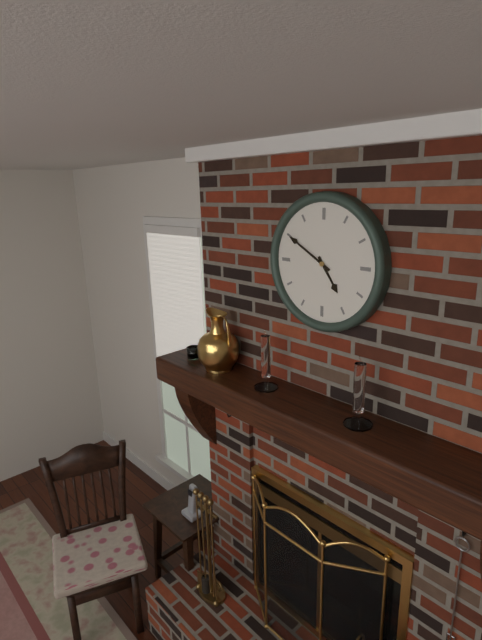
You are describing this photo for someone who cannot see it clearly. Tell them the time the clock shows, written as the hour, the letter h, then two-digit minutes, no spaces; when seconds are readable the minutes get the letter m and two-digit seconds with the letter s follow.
4h50
